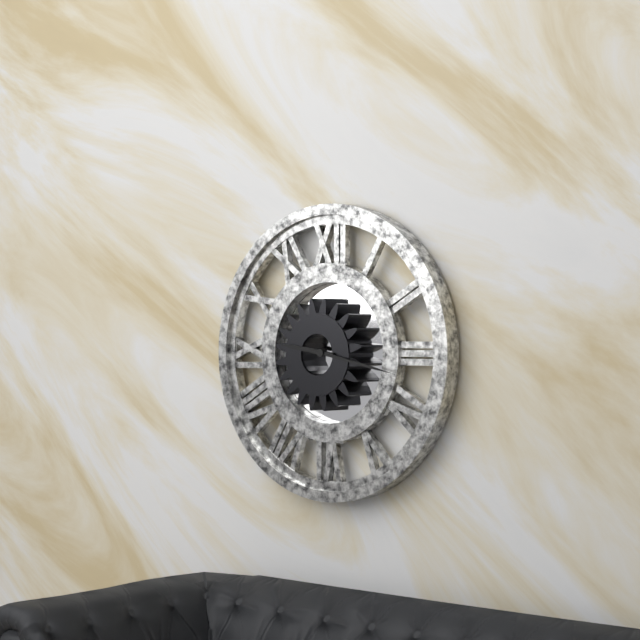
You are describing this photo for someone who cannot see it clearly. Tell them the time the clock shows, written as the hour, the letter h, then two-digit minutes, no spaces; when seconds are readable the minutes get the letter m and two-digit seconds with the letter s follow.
9h17
